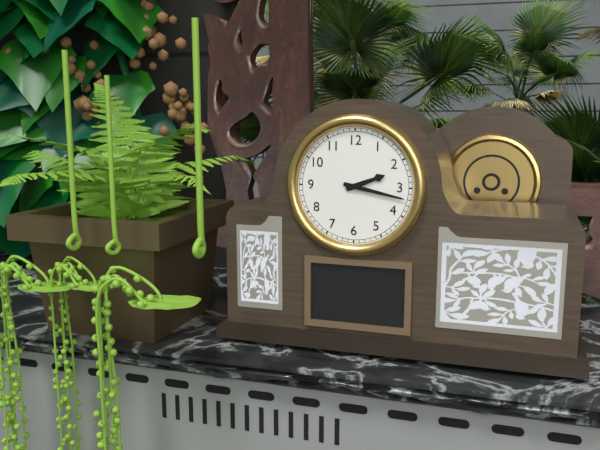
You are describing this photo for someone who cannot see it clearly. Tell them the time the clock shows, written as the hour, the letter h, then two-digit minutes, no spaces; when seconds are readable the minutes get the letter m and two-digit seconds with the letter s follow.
2h17
